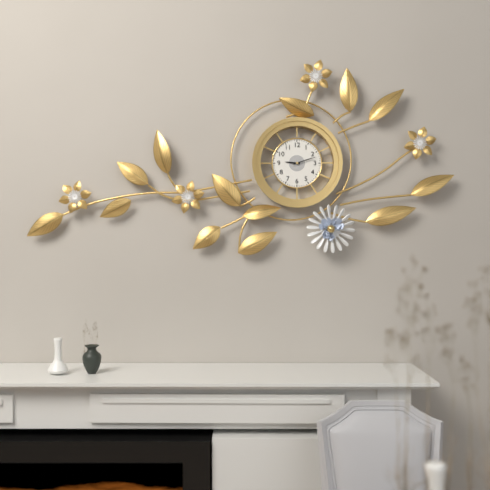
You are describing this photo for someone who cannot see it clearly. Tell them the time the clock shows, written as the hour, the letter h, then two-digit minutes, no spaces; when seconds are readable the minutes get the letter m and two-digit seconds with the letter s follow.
9h12
